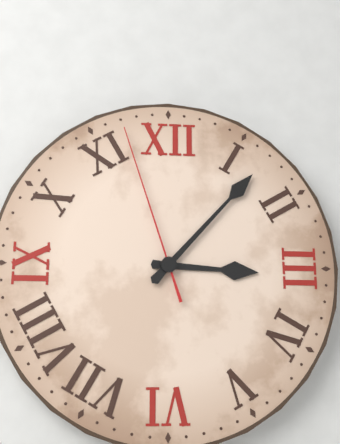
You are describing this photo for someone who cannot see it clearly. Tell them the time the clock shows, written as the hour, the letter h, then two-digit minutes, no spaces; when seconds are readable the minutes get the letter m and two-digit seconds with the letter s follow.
3h07m57s
